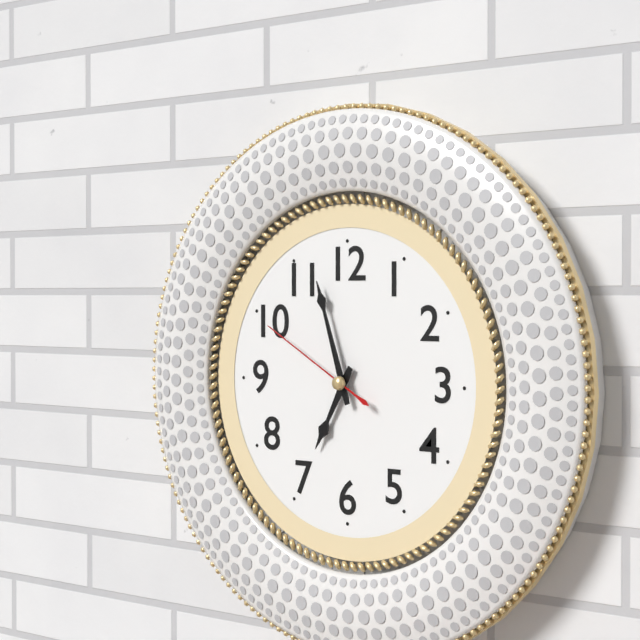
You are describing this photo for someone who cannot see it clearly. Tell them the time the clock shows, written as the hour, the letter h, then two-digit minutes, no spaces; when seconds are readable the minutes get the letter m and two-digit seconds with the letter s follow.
6h57m50s
